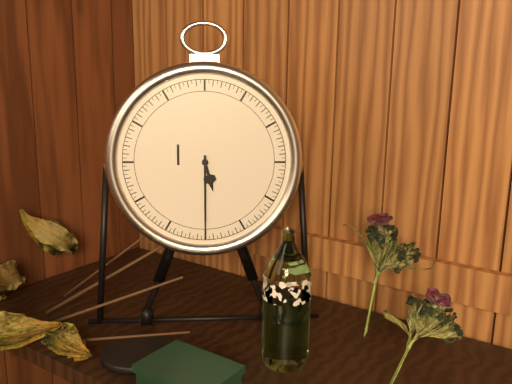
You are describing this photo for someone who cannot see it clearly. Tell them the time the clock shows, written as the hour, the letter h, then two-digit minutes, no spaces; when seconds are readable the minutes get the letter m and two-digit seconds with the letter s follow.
5h30
